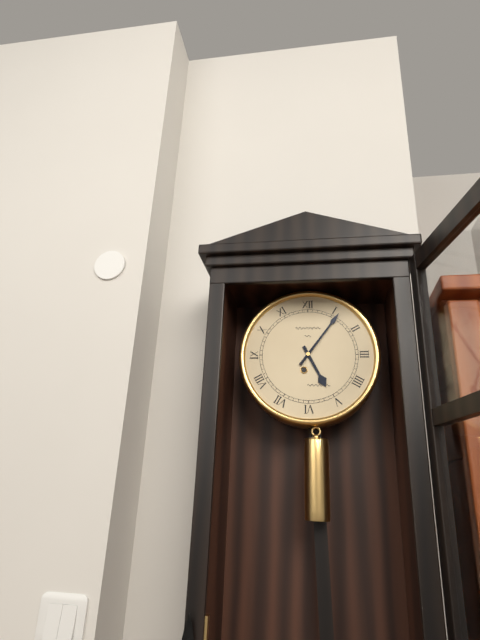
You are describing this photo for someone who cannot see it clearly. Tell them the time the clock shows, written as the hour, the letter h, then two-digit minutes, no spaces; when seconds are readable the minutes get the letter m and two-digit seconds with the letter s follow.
5h06
